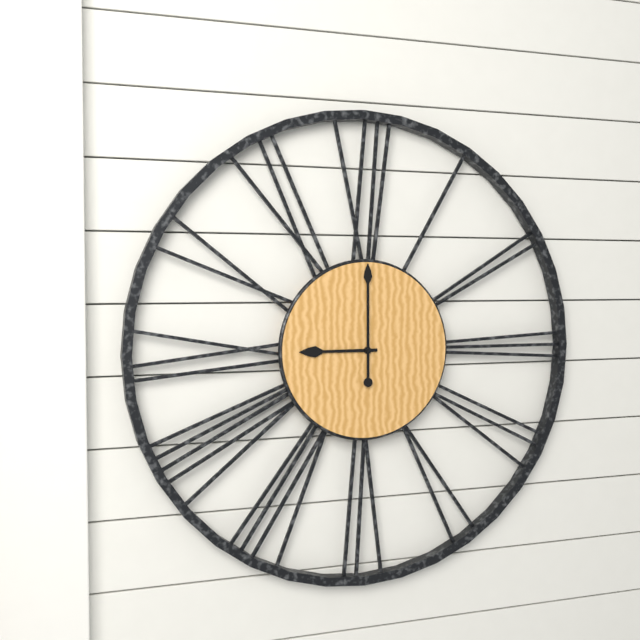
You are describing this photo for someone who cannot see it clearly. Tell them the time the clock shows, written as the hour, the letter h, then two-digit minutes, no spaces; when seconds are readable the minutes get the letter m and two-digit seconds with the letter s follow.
9h00
